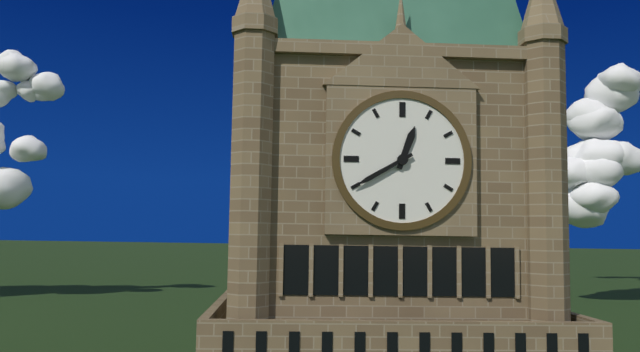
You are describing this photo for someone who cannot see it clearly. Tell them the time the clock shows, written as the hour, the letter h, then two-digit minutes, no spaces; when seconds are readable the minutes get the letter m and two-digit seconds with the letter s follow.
12h40
